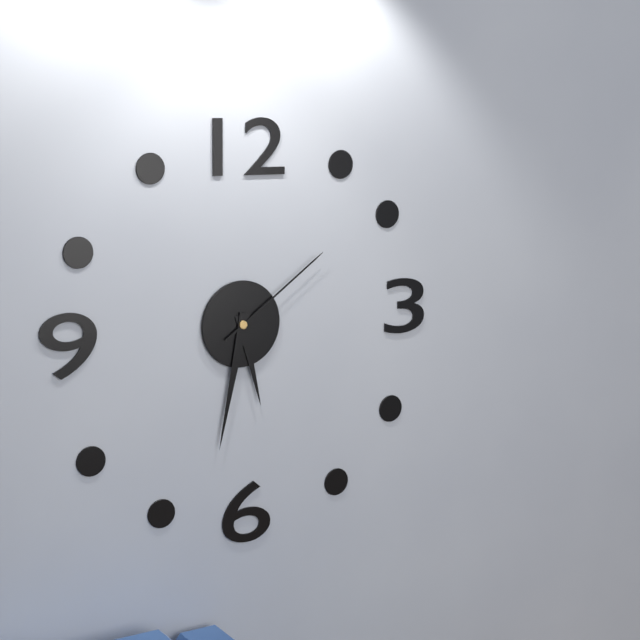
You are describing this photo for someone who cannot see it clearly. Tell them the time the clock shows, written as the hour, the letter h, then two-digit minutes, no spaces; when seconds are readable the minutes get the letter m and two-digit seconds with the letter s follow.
5h32m09s
